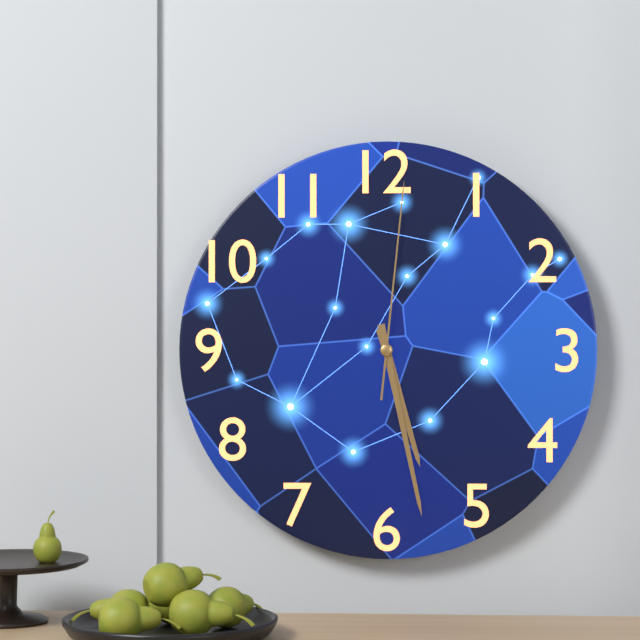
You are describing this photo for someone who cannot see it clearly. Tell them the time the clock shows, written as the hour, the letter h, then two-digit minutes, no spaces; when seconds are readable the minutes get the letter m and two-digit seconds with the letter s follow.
5h28m01s
